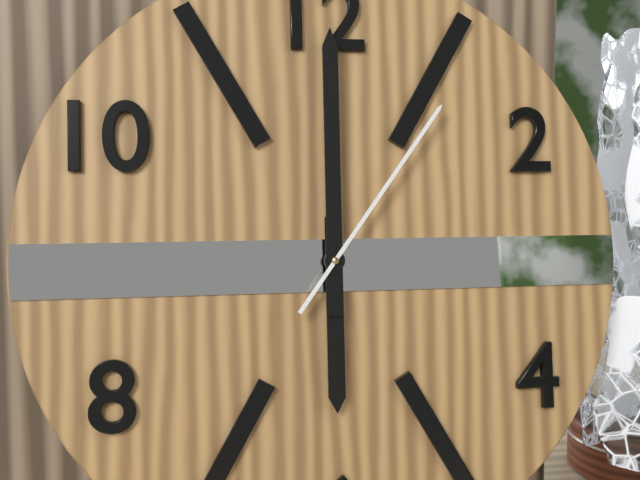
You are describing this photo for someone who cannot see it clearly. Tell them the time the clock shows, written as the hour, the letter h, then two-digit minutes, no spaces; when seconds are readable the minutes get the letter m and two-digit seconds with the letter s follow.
6h00m06s
